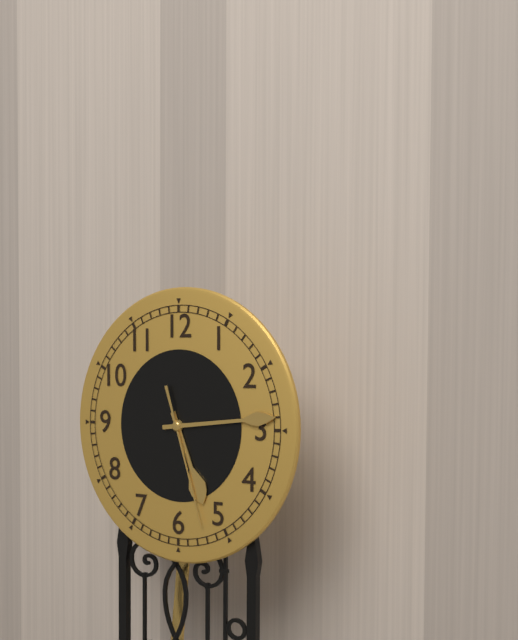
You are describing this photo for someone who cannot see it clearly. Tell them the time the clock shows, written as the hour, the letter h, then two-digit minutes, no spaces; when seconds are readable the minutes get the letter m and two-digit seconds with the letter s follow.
5h14m27s
